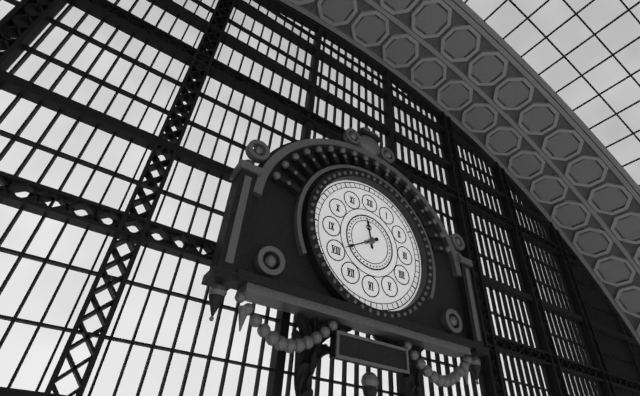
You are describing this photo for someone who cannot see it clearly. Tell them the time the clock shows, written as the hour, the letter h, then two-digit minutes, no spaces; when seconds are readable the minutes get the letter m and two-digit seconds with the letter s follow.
11h40
